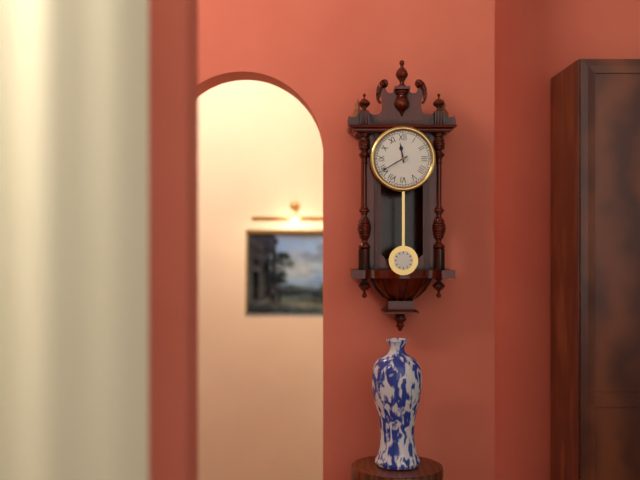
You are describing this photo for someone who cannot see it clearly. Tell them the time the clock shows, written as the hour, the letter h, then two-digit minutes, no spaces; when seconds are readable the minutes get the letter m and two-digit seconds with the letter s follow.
11h40
